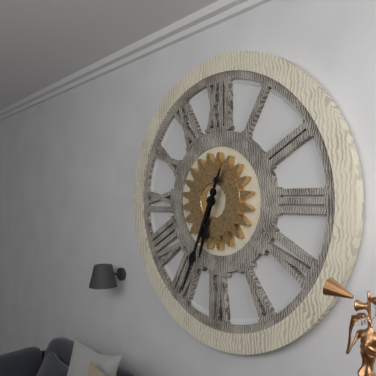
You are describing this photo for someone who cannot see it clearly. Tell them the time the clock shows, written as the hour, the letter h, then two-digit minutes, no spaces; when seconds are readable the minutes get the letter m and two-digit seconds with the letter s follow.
6h34
